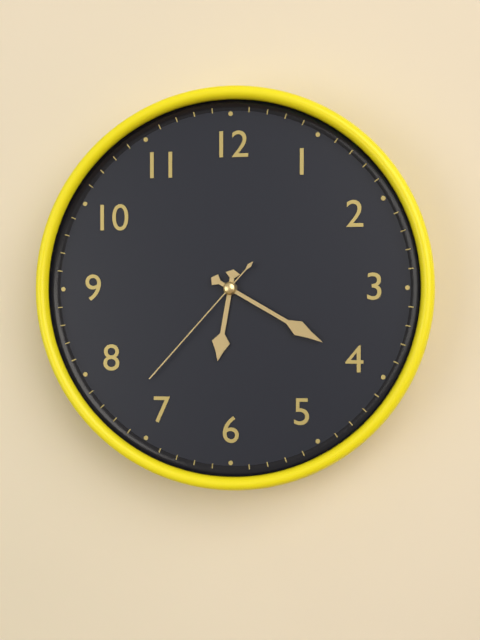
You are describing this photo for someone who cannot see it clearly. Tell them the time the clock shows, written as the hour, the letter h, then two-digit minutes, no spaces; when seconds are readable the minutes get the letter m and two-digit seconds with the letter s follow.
6h20m37s
